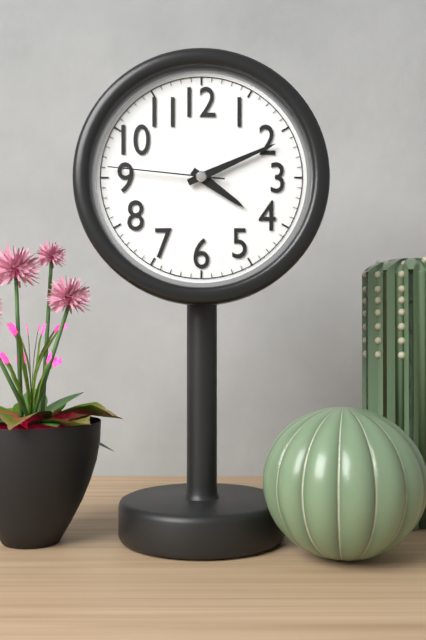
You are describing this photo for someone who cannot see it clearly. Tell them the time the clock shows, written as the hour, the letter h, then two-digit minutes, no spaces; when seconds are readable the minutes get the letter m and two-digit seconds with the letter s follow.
4h11m46s
